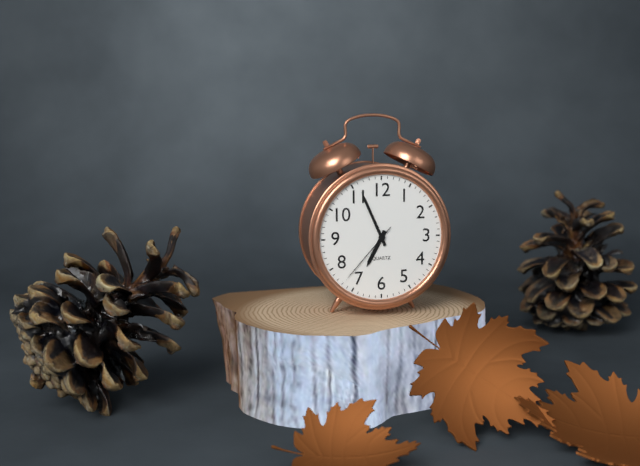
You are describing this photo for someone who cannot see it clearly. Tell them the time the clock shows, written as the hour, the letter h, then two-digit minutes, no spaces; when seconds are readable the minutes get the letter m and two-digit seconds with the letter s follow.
6h56m37s
